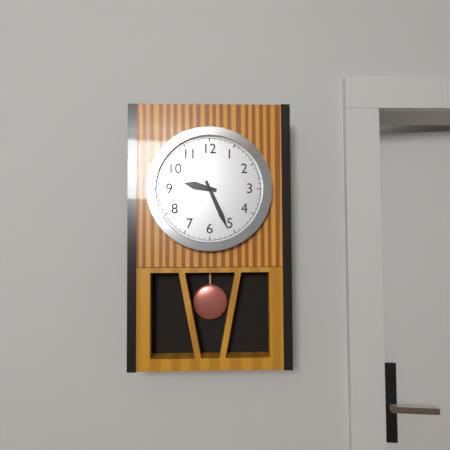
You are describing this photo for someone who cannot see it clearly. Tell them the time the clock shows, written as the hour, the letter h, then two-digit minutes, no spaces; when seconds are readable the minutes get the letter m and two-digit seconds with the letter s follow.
9h26
